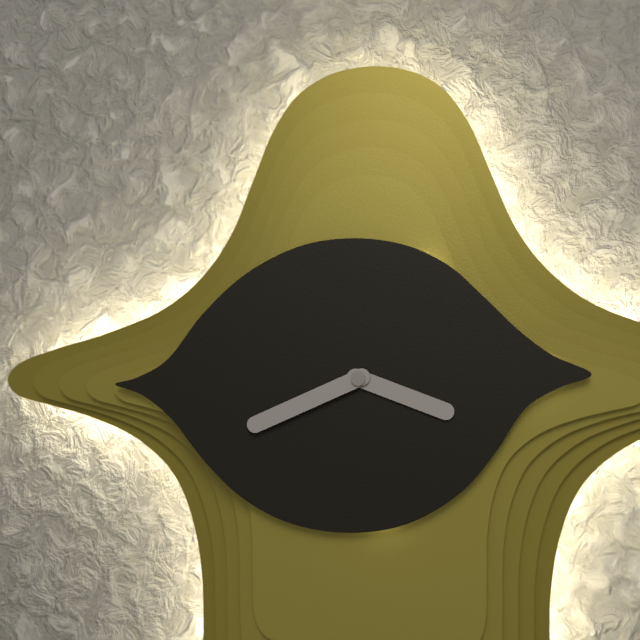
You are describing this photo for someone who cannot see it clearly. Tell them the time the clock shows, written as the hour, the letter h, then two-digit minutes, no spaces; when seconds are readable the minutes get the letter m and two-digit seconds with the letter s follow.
3h41
